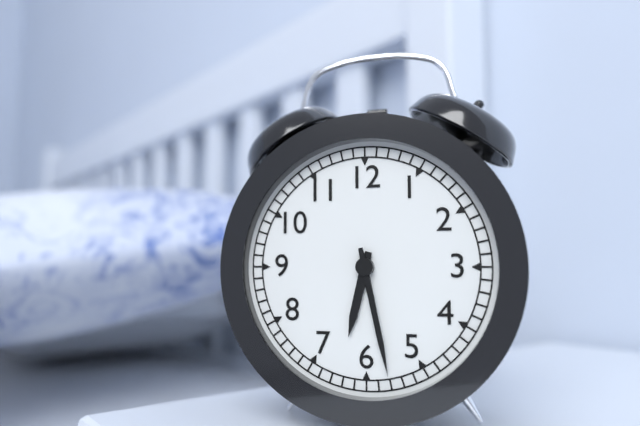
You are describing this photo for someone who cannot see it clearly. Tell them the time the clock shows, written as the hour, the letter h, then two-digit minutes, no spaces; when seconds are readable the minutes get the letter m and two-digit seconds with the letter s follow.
6h28
